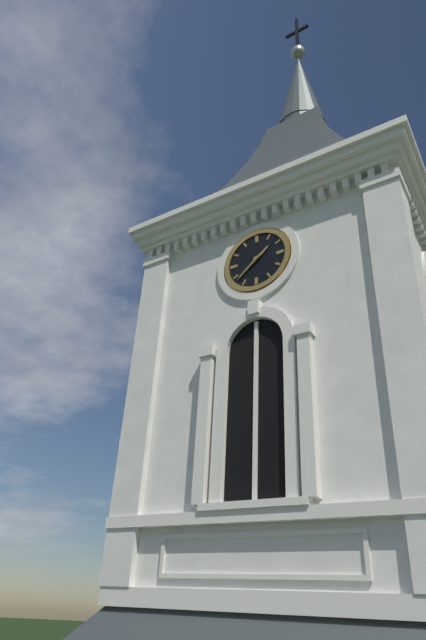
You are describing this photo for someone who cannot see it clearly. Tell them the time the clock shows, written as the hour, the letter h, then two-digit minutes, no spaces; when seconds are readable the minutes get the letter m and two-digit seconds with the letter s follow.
1h38
